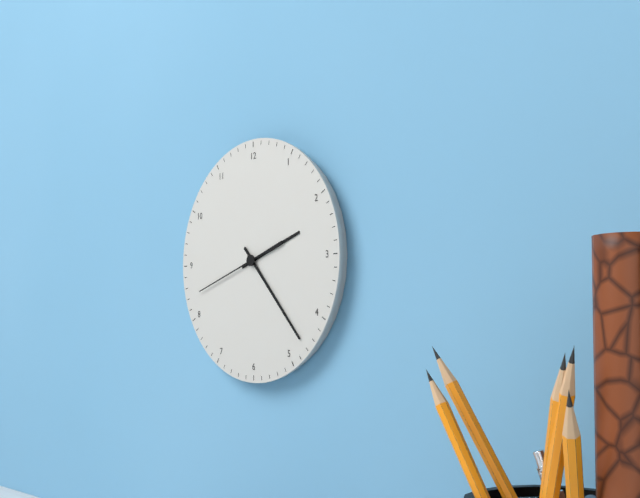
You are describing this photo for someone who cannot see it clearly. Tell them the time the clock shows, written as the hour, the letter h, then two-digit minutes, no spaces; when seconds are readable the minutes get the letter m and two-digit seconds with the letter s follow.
2h23m42s
